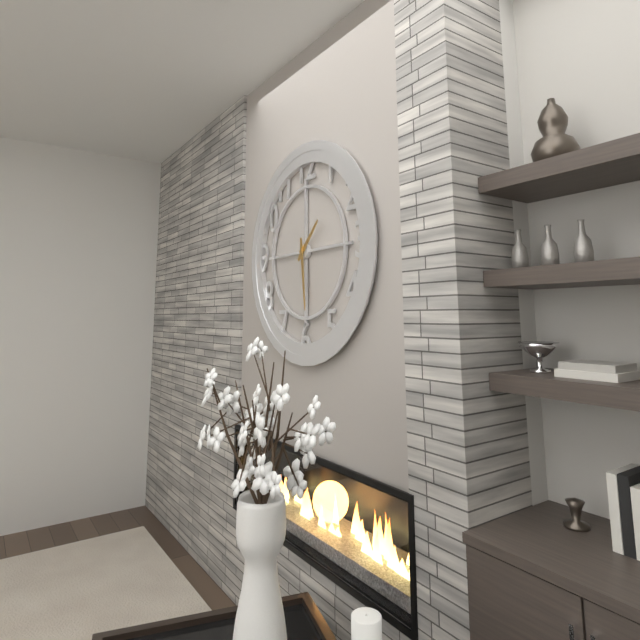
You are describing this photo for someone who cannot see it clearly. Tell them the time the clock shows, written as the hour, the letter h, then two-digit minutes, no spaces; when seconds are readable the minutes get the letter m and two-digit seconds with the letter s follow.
1h29
